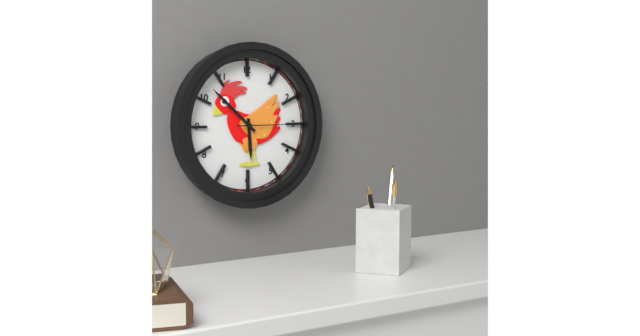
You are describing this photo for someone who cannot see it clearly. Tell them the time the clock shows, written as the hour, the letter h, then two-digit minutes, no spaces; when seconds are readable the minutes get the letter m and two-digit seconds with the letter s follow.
5h52m15s
